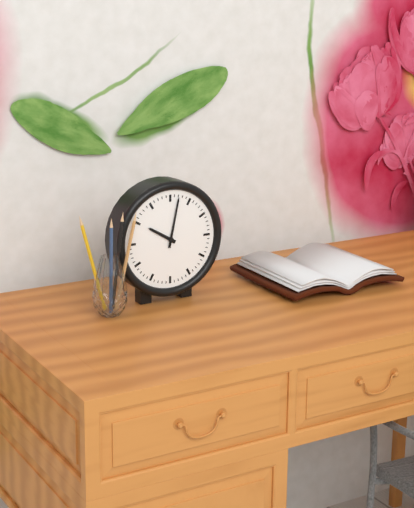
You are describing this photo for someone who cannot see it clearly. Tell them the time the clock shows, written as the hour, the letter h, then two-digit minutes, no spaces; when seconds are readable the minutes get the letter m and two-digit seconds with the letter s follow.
10h02
